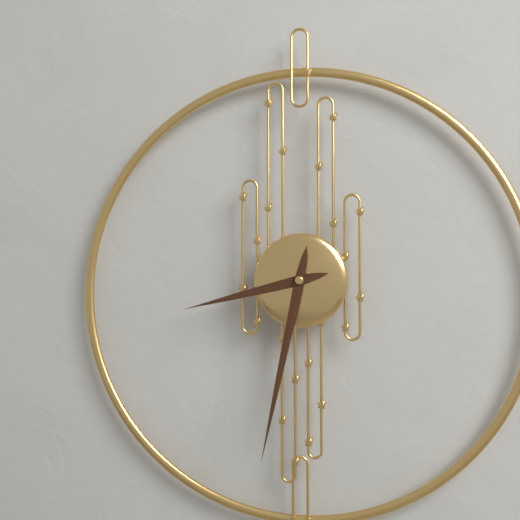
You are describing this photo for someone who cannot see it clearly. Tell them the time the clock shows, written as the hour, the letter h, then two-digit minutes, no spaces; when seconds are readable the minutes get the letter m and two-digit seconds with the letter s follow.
8h32
